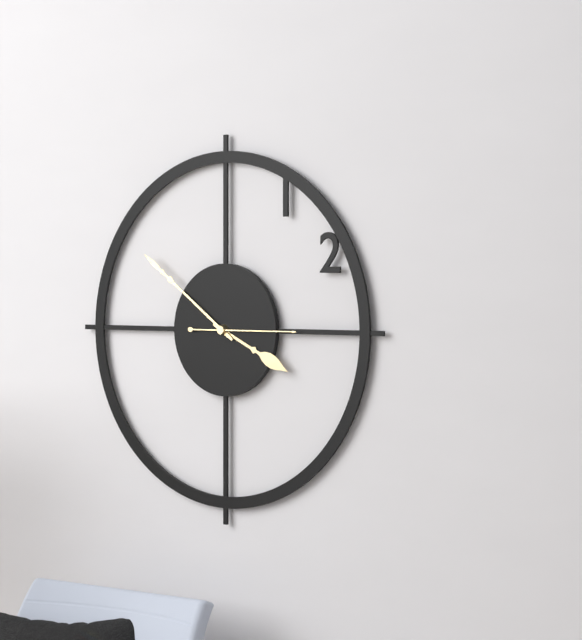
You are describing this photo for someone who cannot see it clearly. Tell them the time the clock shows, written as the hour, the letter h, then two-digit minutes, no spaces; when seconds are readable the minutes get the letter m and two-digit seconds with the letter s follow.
3h51m15s
